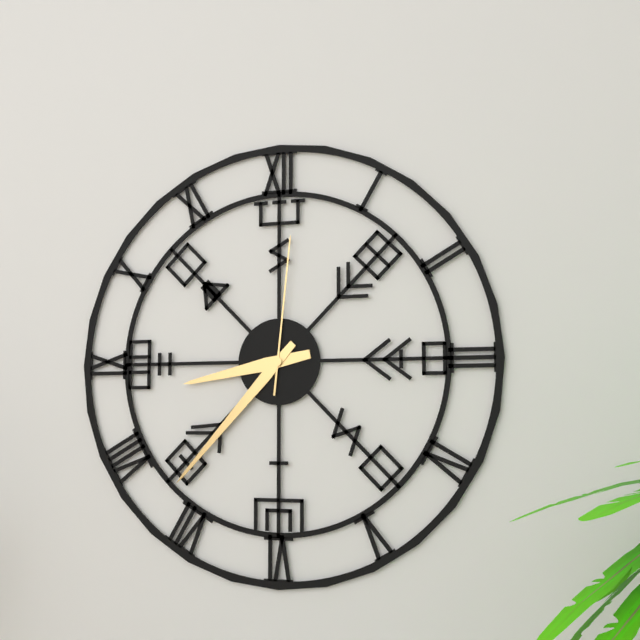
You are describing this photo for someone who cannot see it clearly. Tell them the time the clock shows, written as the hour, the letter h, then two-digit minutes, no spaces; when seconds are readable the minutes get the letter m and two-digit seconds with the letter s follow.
8h37m01s
